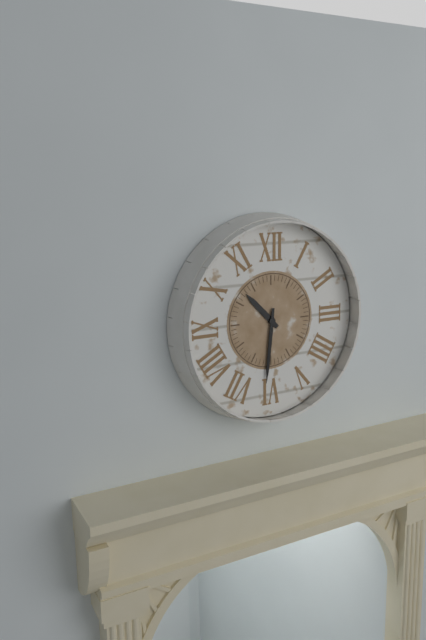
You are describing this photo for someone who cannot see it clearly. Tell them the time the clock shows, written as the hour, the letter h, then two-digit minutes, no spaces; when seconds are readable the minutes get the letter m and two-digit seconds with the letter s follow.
10h31
